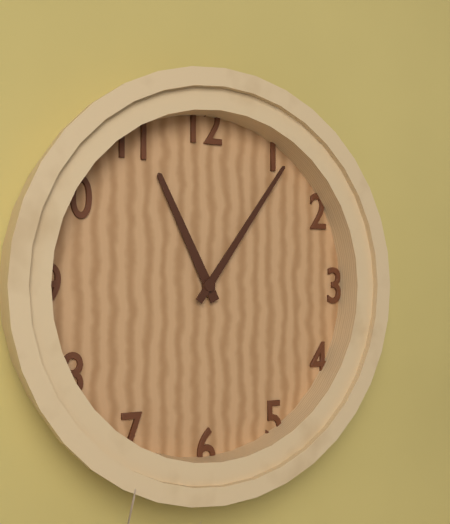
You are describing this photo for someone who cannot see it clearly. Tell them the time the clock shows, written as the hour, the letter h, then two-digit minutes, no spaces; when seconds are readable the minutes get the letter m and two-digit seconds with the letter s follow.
11h06
